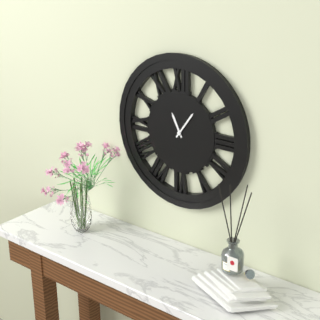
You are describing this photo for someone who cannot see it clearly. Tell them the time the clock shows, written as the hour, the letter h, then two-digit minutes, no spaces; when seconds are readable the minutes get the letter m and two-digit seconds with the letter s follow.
11h06
